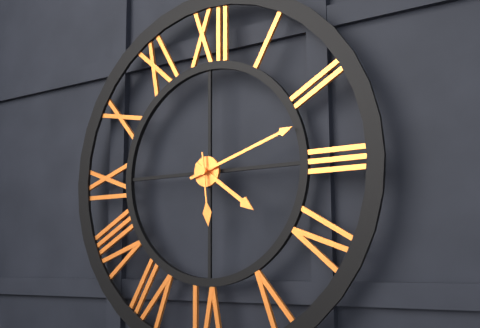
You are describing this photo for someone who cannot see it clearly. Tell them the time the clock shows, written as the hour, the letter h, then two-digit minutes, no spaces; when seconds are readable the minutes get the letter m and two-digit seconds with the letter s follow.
4h12m29s
